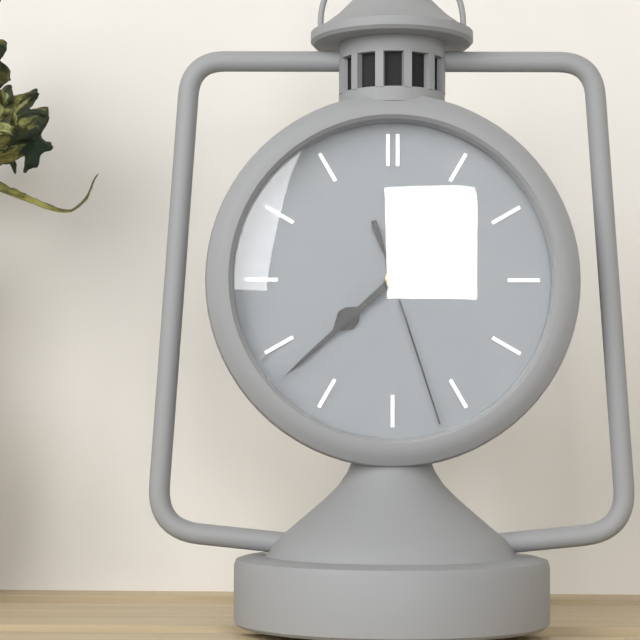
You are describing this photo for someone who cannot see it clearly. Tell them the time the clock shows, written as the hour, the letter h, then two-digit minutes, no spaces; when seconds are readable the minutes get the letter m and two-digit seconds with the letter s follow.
7h38m27s
